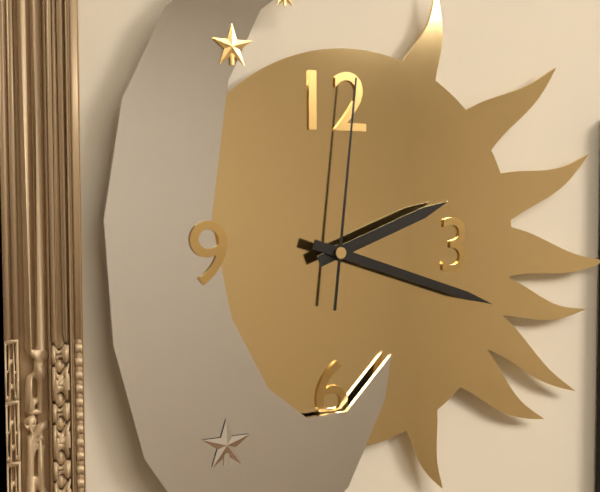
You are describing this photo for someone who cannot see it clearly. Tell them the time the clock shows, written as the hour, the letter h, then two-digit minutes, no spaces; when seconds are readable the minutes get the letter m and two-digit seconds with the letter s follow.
2h18m01s
